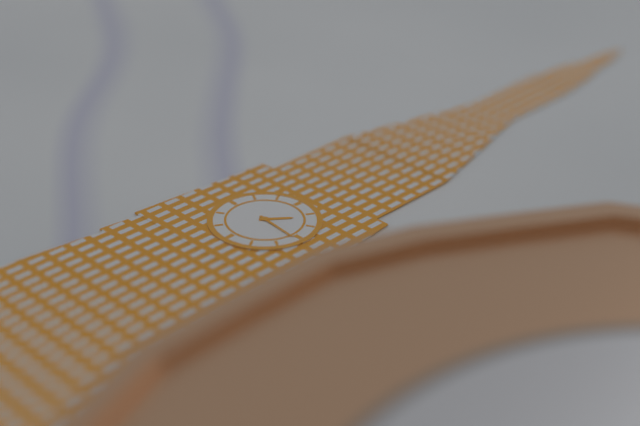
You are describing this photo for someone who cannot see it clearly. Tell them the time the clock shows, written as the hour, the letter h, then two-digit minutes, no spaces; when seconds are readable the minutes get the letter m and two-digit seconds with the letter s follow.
1h16
